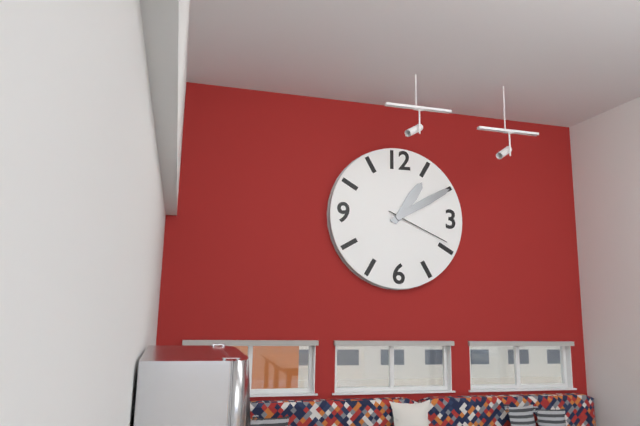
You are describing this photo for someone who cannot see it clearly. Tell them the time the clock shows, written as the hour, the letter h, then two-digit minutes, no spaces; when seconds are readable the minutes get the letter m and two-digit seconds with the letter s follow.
1h10m19s
